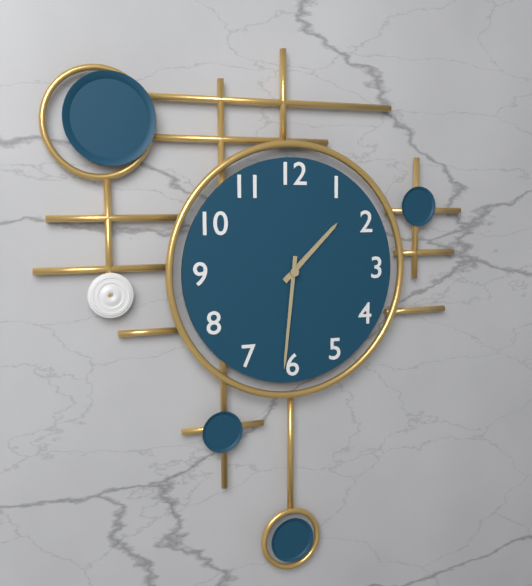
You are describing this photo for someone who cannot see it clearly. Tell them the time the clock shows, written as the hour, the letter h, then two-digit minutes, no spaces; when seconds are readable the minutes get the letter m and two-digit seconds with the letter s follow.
1h31
